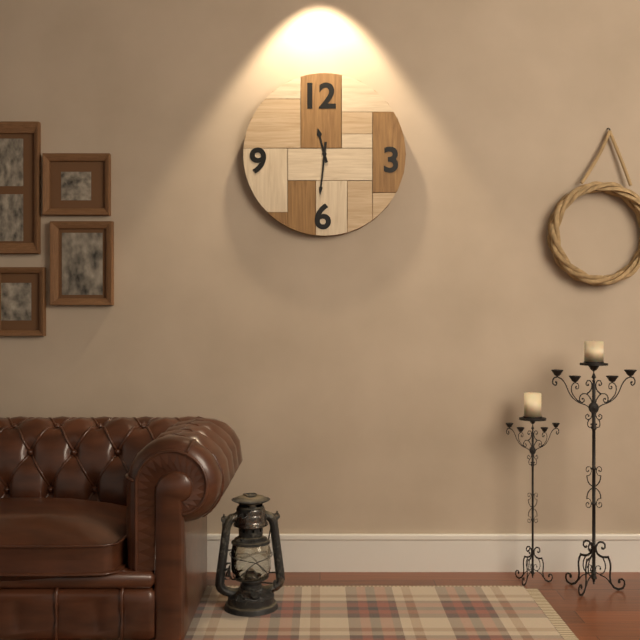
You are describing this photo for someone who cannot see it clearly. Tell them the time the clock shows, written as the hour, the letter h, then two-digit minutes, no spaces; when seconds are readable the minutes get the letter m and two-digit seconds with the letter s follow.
11h31
